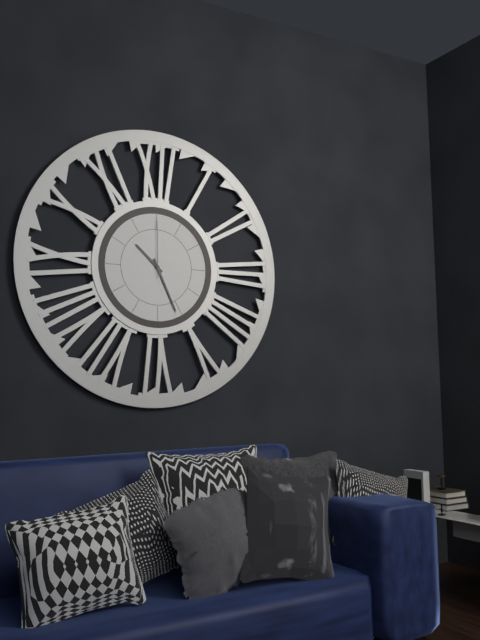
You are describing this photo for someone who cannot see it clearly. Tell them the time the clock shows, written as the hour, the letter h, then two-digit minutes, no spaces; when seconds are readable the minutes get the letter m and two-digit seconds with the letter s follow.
10h26m00s
